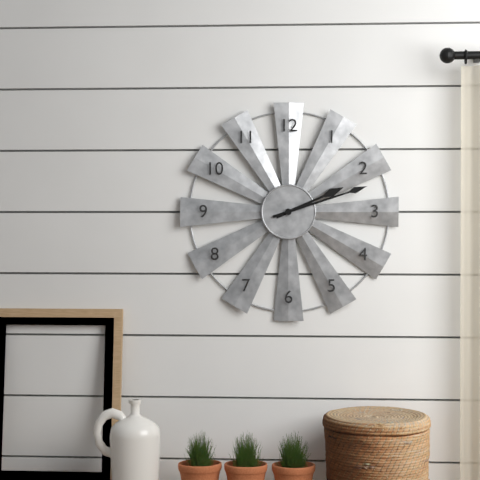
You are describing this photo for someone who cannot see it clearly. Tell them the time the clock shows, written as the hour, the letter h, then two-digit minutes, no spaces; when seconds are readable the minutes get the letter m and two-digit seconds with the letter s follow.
2h12
